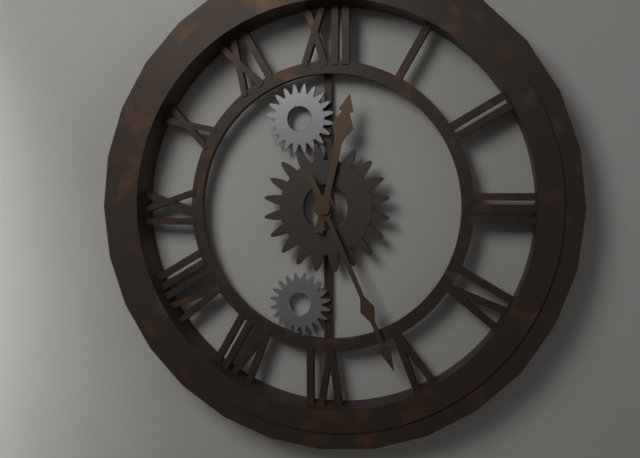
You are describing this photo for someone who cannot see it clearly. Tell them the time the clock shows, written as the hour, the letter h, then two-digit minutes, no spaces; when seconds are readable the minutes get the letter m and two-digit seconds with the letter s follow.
12h26
